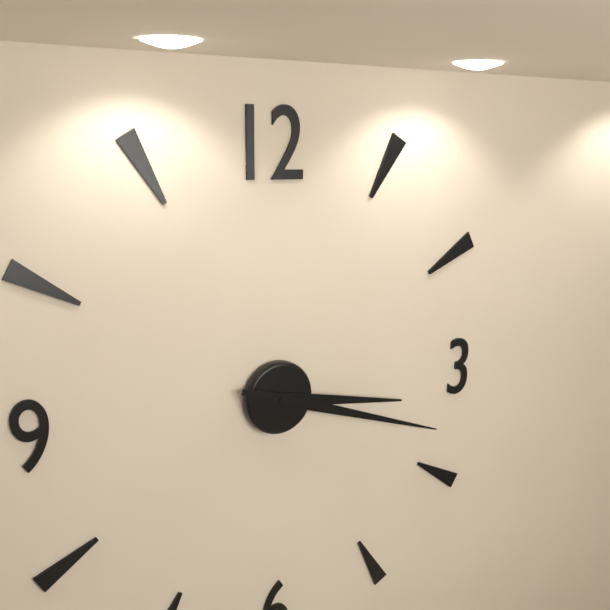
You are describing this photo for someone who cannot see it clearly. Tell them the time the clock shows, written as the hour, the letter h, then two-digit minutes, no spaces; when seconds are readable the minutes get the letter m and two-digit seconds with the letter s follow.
3h18
